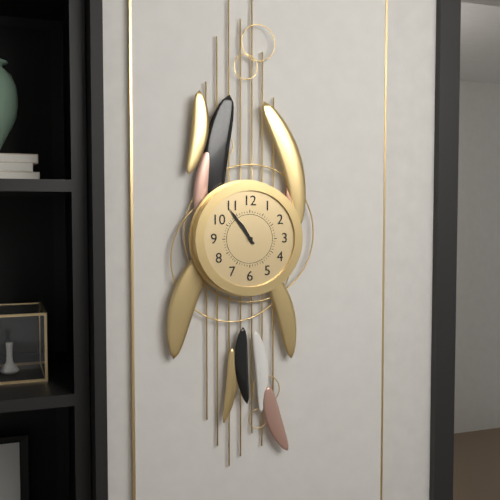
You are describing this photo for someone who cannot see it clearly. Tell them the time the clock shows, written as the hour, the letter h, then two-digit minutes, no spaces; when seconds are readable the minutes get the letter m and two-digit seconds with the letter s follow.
10h54
